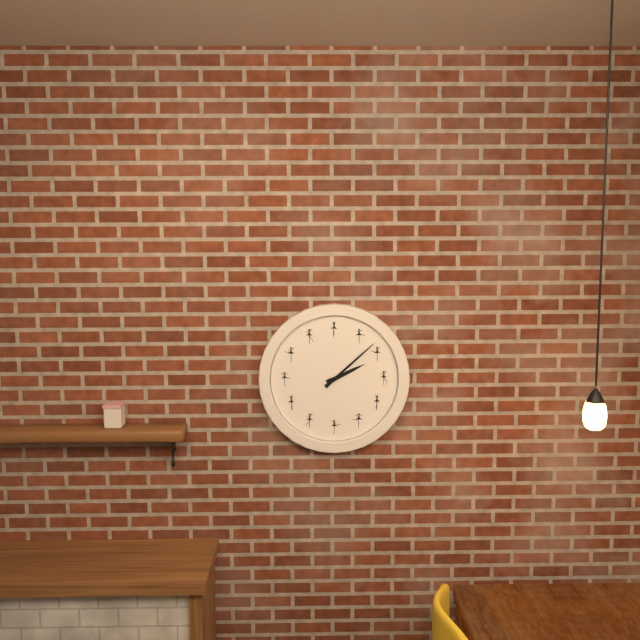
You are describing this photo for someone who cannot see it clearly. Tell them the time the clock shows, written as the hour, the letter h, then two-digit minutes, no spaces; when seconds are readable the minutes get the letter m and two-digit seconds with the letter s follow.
2h08
